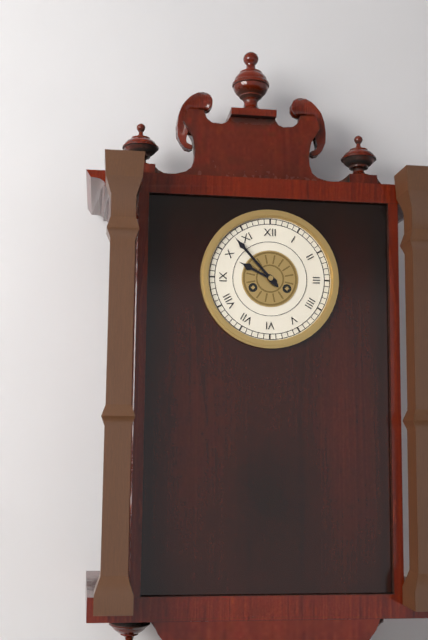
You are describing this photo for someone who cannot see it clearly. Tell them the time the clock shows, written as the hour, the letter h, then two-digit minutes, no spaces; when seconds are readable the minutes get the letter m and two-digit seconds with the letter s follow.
9h53
